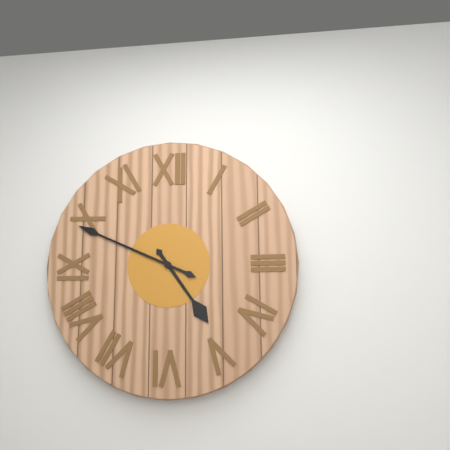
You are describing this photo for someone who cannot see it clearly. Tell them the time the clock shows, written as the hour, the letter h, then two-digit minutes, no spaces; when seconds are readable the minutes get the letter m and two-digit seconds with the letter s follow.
4h49
